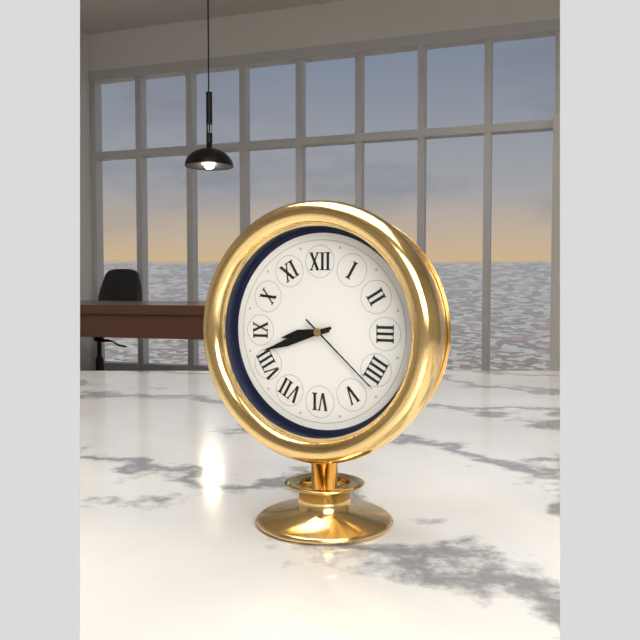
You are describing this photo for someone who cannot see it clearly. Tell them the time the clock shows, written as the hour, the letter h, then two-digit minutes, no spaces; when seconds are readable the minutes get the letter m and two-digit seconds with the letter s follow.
8h42m22s
